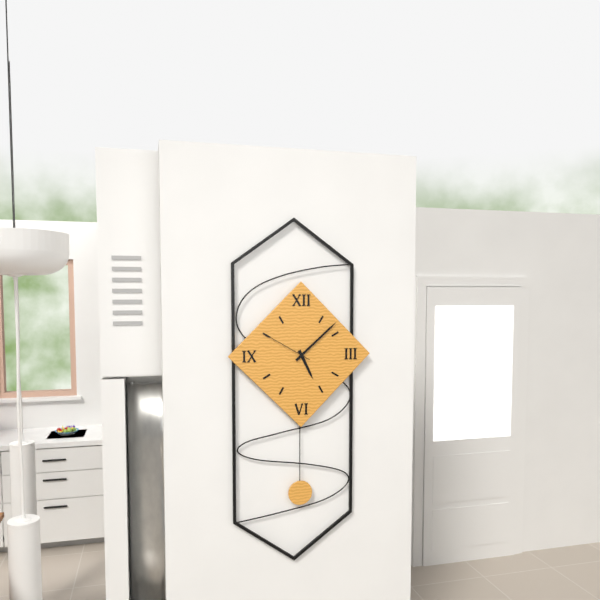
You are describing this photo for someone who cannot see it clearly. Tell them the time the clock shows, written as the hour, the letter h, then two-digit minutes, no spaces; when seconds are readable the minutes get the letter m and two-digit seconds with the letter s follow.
5h08m50s
